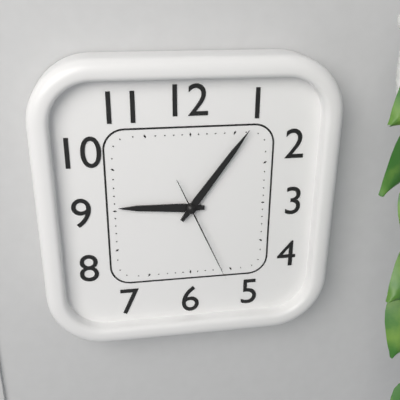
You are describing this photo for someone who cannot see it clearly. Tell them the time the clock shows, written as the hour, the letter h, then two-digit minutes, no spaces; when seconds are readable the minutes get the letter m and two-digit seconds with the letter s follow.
9h06m26s
